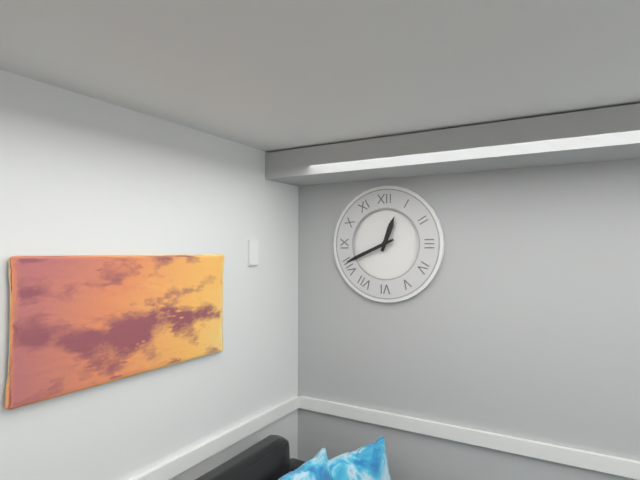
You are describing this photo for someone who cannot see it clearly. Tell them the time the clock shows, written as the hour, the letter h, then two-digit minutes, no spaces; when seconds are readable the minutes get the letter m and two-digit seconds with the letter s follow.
12h41
